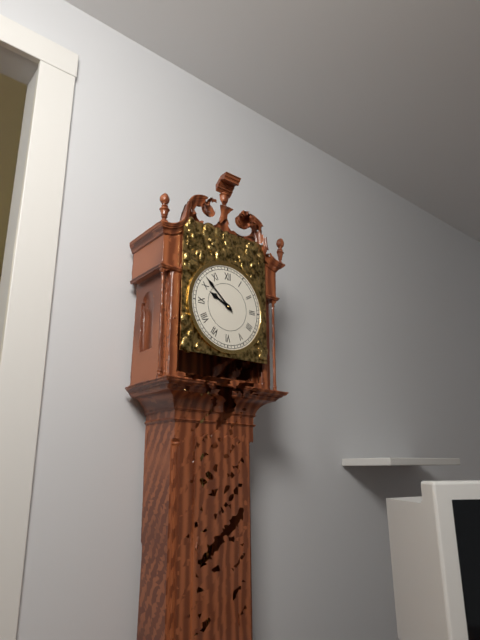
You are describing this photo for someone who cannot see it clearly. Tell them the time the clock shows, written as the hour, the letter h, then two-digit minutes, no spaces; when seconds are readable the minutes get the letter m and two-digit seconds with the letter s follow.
9h52
